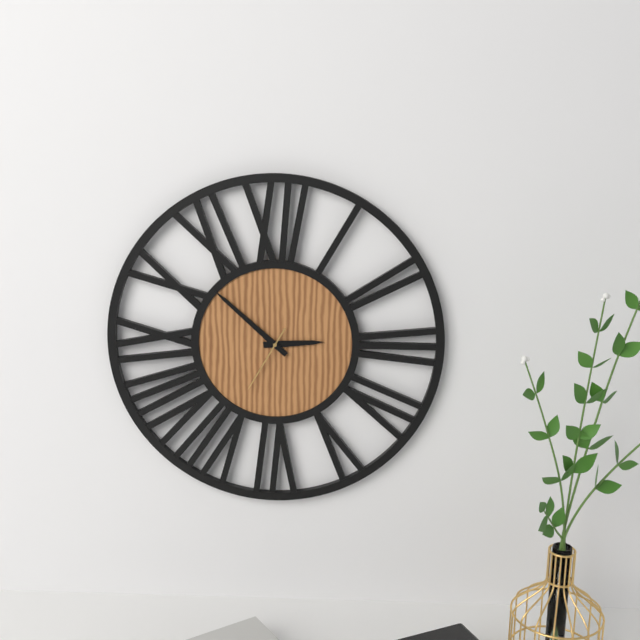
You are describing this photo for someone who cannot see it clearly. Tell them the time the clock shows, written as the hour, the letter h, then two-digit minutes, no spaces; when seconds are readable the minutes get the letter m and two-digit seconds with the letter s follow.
2h52m35s
